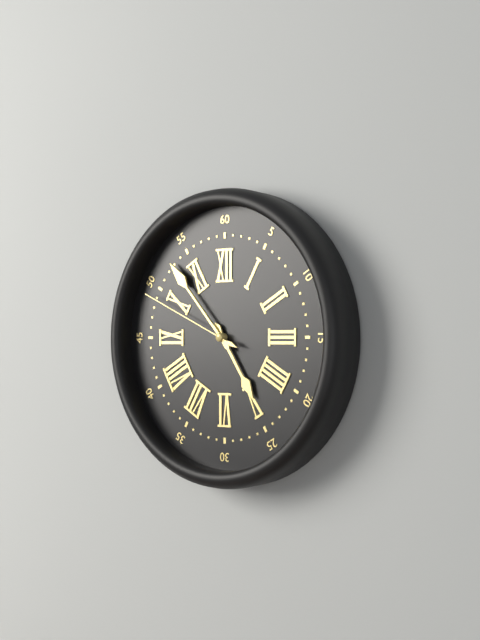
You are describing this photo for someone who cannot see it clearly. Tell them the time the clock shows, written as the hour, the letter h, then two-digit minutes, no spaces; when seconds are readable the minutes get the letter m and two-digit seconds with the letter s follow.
4h53m49s
